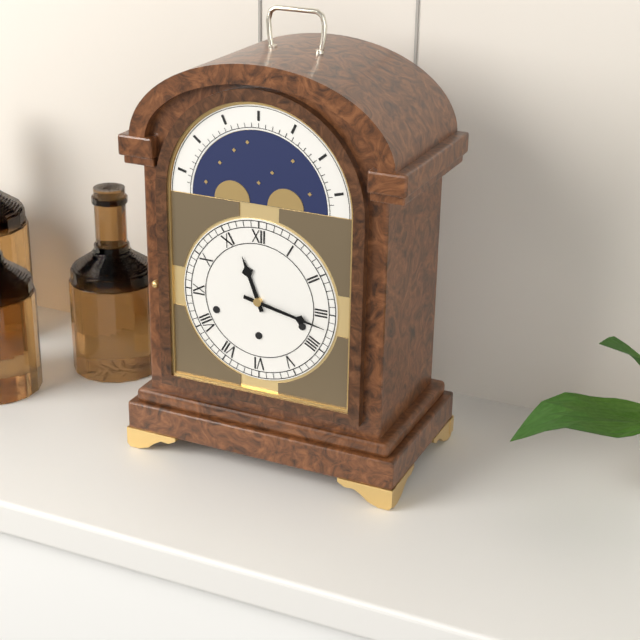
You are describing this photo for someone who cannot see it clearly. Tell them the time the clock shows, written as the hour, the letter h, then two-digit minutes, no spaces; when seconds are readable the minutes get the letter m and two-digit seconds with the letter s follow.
11h17
